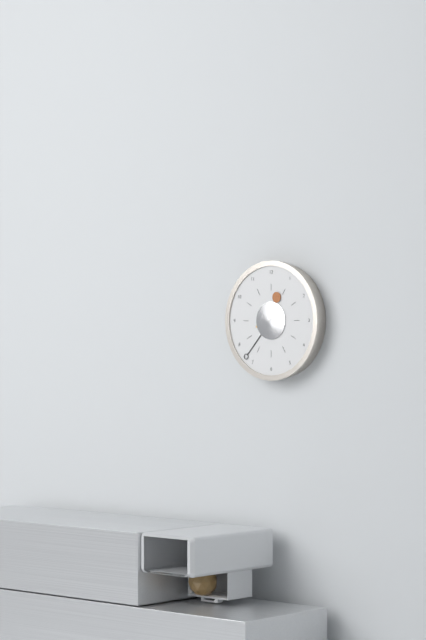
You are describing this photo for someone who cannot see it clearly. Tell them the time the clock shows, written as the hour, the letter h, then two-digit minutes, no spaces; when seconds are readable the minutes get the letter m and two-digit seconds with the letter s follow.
12h37
